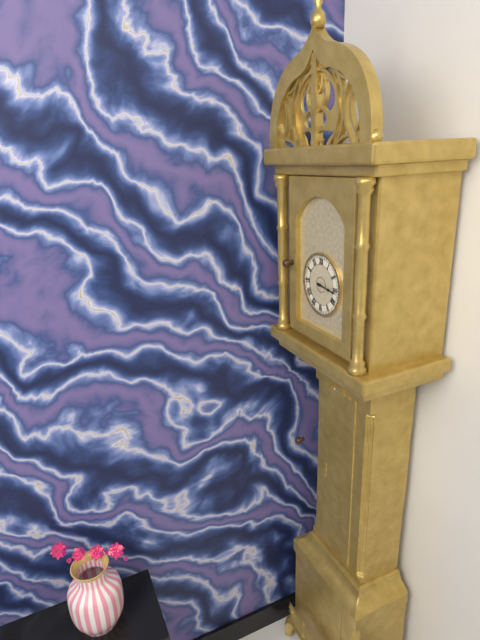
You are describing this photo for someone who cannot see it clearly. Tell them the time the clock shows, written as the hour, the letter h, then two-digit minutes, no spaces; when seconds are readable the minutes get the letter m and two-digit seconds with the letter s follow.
3h16
